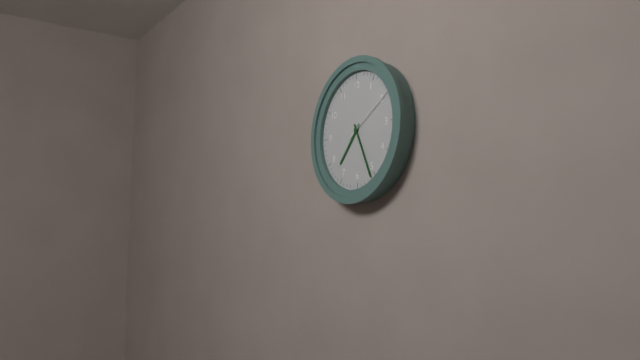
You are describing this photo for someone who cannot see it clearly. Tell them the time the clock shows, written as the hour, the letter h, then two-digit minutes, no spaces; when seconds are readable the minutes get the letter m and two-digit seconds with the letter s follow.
7h26m10s
